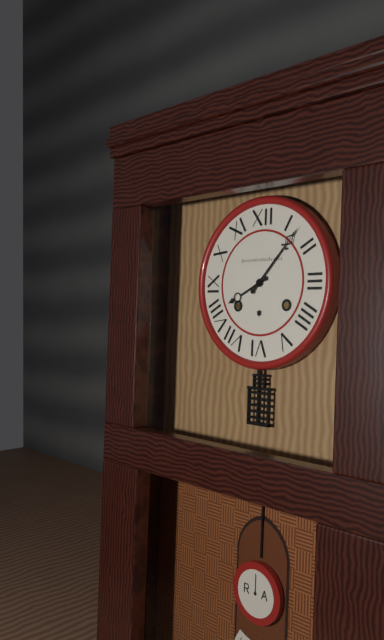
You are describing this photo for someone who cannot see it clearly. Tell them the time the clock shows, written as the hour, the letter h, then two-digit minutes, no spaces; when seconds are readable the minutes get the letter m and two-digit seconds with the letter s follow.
8h07
